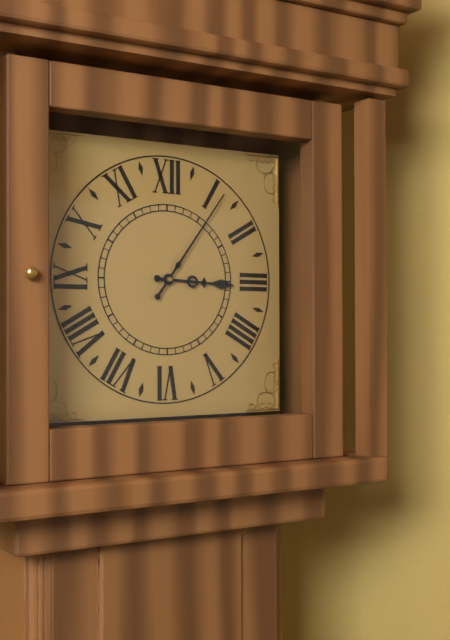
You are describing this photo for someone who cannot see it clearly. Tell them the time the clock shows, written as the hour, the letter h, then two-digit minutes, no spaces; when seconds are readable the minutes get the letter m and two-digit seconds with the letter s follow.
3h06
